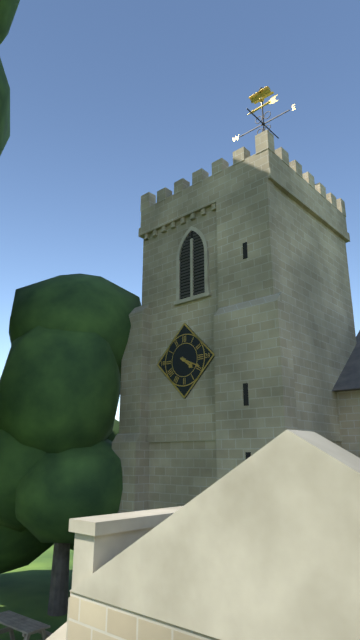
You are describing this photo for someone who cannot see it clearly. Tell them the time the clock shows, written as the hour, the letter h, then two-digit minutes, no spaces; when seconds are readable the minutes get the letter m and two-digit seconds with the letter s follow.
4h19
